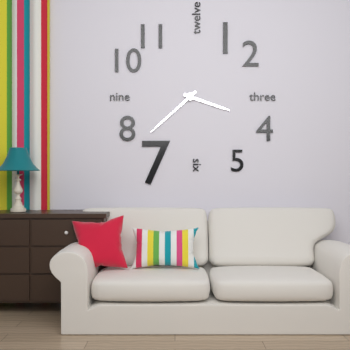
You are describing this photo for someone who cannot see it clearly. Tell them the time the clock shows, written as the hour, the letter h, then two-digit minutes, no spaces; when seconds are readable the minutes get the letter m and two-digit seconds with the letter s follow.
3h38
